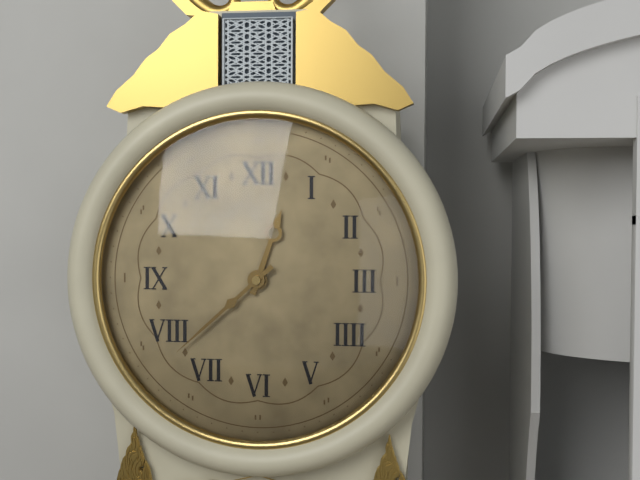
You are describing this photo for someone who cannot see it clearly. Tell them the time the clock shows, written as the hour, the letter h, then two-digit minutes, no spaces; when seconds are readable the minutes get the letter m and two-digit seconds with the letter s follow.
12h38
